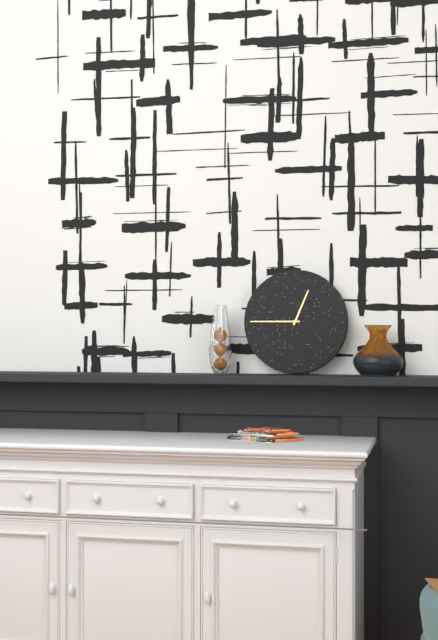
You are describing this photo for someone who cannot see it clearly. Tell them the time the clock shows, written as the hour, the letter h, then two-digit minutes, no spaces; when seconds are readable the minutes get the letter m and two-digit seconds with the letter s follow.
12h45
